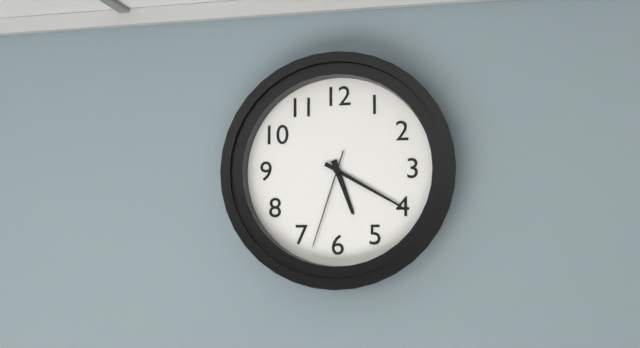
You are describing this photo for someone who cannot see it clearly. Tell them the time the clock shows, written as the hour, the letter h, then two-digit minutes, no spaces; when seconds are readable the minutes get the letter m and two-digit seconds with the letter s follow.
5h20m33s
